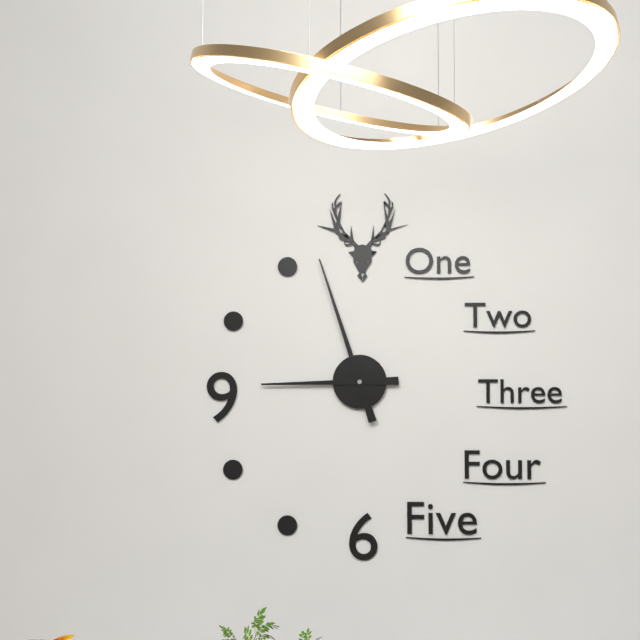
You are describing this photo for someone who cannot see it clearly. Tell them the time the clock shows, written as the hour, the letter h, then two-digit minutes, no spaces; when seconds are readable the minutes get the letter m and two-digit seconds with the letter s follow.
8h57
